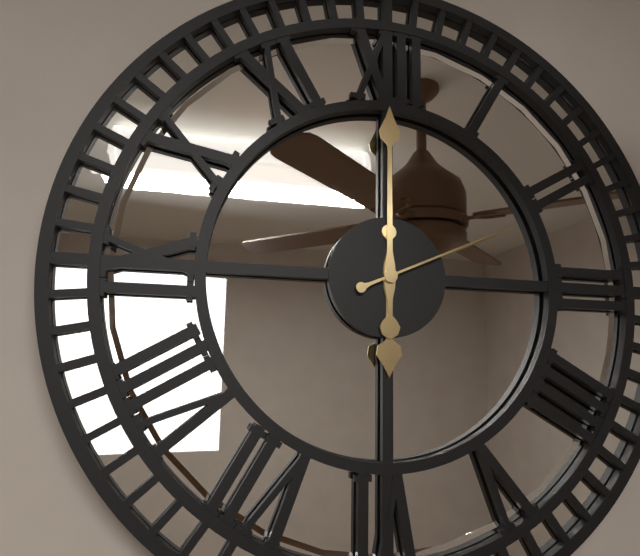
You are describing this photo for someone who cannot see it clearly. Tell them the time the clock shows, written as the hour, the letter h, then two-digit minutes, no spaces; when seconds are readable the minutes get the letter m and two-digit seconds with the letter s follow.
6h00m11s
